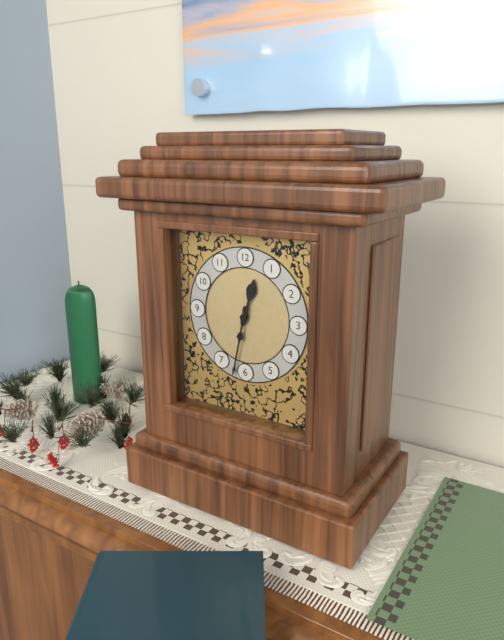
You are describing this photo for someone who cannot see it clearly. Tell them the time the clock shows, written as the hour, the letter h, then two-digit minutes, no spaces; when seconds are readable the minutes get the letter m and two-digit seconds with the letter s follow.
12h32
